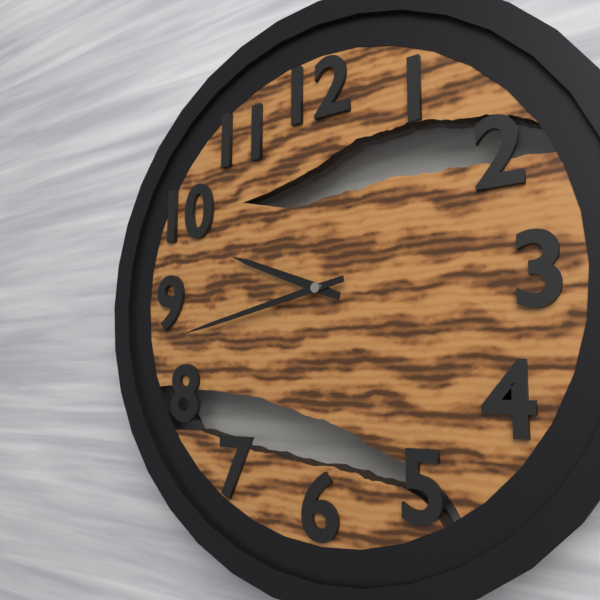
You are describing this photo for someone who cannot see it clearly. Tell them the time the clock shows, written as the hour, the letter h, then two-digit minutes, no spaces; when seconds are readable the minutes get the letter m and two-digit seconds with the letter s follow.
9h43
